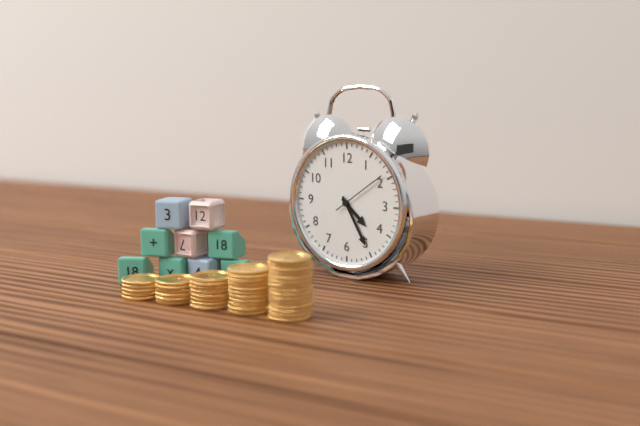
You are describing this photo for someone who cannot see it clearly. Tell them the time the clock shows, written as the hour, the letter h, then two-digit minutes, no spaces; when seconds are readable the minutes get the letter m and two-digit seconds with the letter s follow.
4h25m09s
